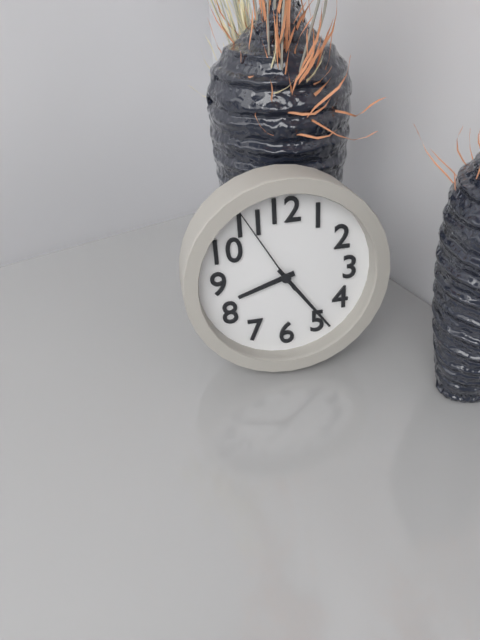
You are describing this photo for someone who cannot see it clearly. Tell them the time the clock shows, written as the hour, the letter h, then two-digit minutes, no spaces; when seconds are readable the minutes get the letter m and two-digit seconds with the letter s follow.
8h24m55s
